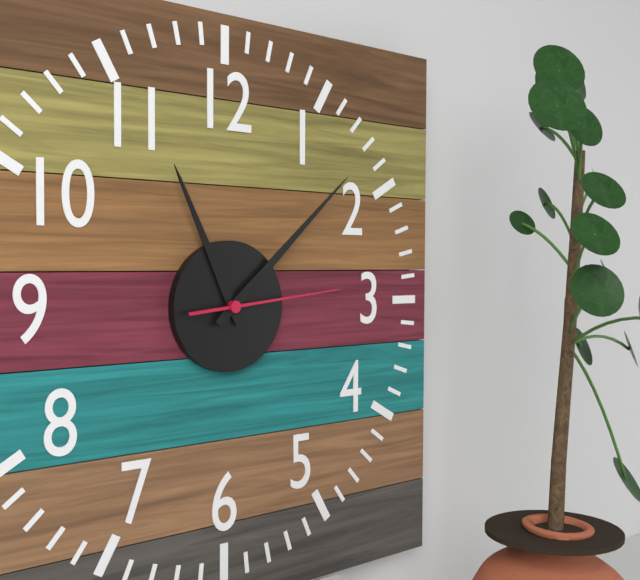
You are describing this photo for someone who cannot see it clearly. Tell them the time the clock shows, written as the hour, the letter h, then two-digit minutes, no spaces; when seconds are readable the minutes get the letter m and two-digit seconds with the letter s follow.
11h08m14s
